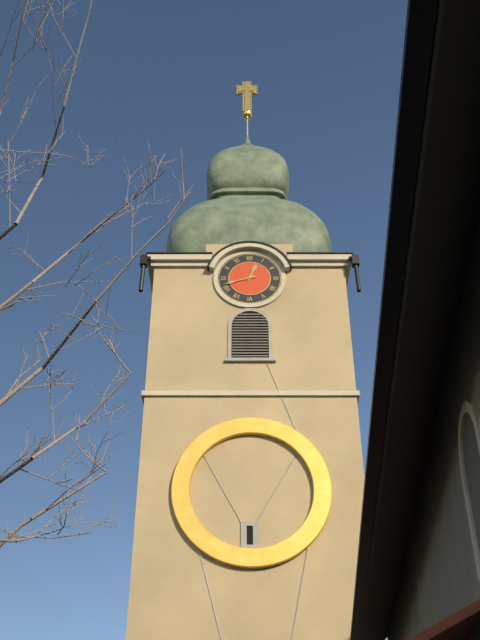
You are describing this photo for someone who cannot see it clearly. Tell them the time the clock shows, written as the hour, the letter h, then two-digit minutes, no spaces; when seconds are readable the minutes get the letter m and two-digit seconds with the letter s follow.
12h42
